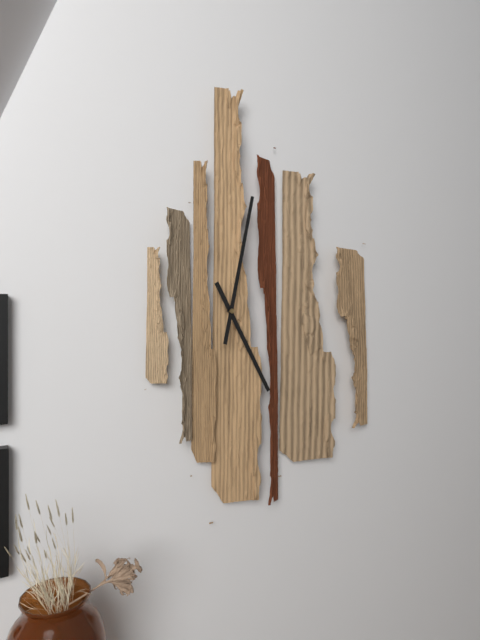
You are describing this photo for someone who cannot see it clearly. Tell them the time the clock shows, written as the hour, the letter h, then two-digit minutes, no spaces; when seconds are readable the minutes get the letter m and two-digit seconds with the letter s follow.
5h02
